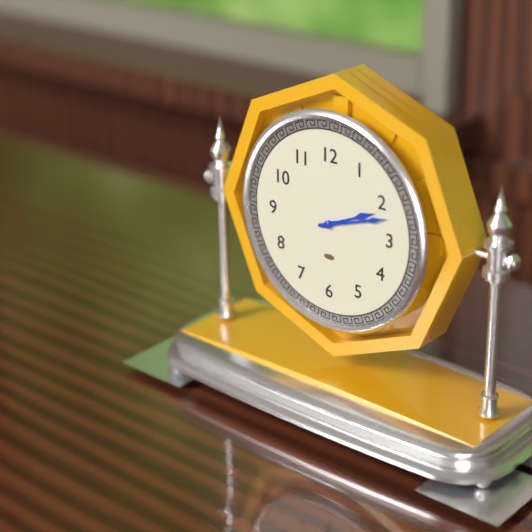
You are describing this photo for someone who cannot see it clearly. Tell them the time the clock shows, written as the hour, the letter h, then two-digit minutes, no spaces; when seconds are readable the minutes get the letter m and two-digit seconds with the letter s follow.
2h12
